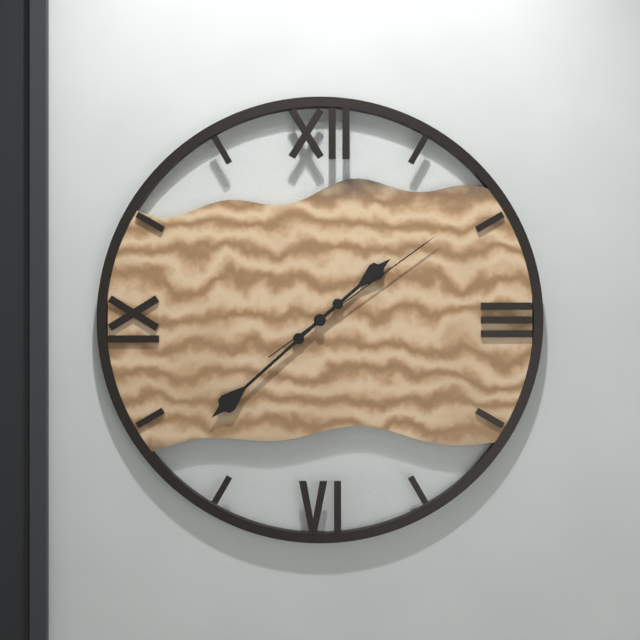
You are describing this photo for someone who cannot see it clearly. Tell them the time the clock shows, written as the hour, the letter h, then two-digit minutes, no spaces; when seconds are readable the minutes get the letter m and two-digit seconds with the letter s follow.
1h38m09s
